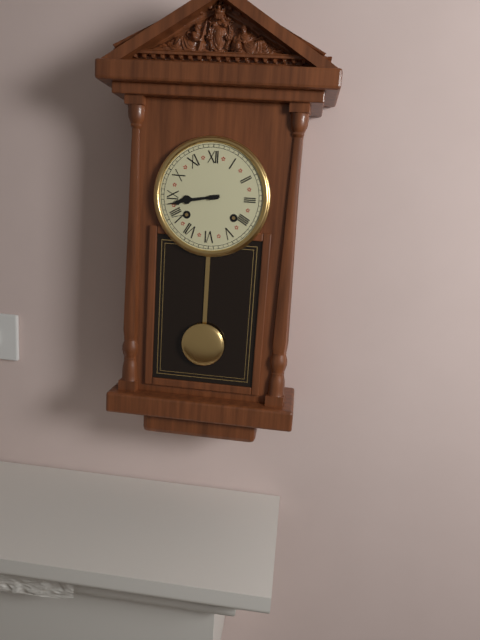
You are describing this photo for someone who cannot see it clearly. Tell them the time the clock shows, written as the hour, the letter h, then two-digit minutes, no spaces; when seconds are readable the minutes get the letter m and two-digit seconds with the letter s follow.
8h43
